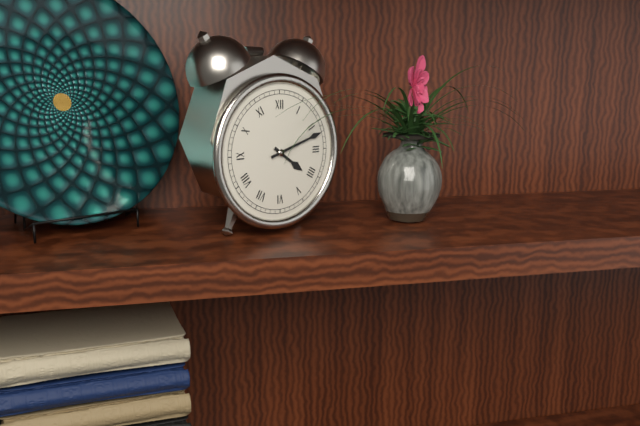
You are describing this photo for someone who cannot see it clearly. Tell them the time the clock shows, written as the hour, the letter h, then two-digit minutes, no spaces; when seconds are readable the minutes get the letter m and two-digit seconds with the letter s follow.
4h12
